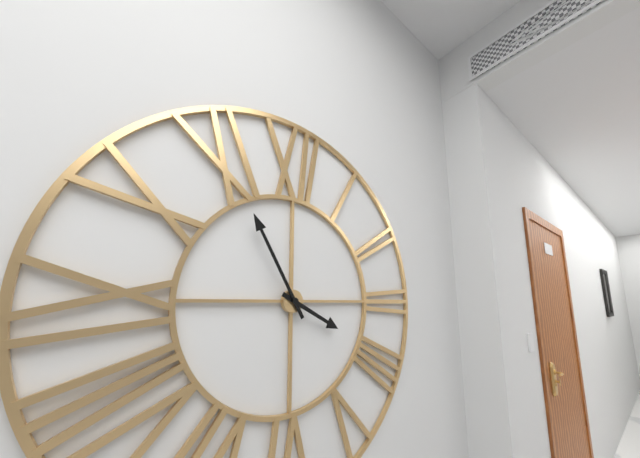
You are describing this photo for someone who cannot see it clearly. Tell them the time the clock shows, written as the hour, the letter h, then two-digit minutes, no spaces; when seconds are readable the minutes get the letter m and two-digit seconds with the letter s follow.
3h55
